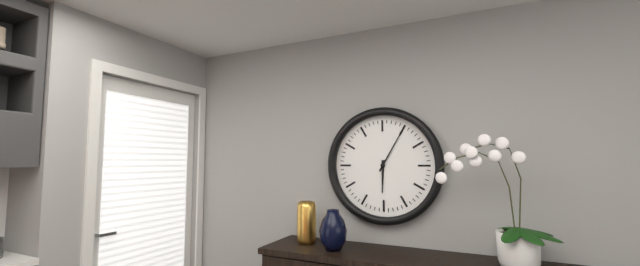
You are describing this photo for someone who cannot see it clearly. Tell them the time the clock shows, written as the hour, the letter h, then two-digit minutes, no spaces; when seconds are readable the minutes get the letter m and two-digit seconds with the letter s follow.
6h05
